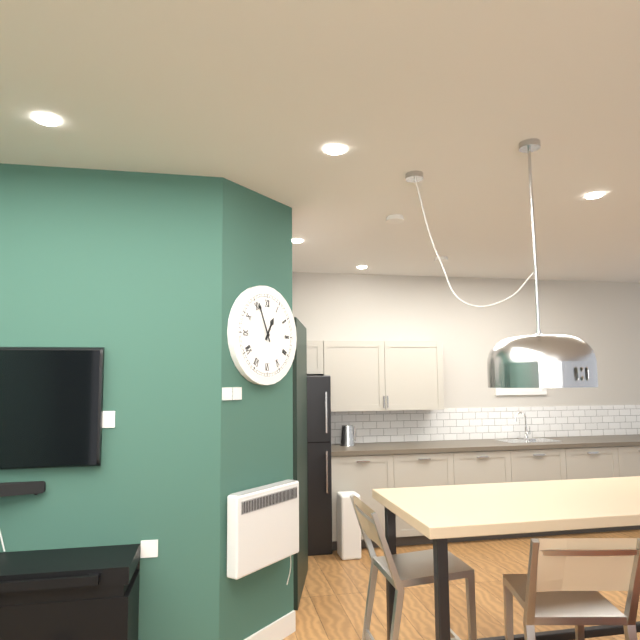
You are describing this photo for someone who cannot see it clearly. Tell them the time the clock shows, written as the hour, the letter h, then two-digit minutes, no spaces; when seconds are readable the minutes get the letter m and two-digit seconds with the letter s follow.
12h56
